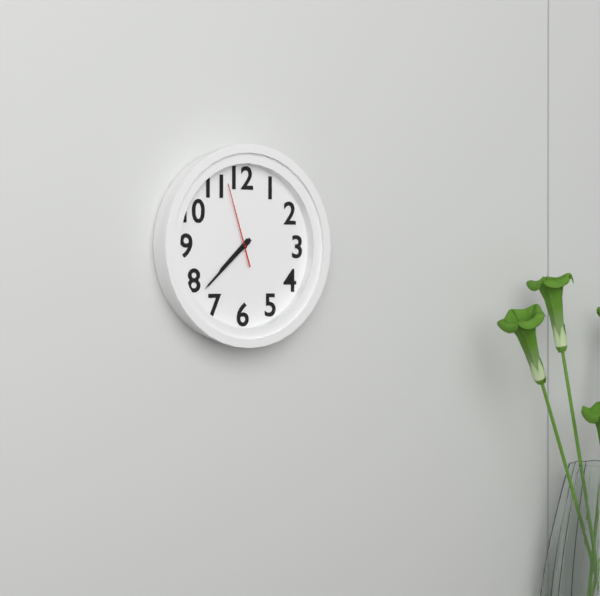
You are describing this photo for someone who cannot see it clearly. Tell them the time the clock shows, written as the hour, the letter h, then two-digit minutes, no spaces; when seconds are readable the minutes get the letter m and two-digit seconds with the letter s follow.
7h38m57s
